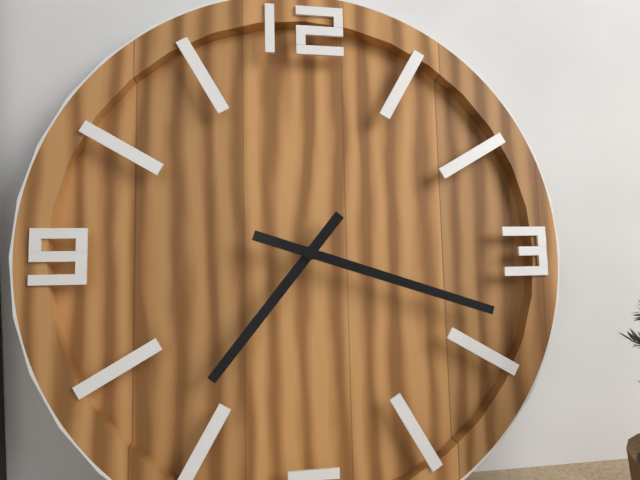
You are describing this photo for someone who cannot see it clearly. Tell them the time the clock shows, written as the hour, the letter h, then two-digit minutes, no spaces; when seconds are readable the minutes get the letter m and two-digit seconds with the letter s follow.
7h18
